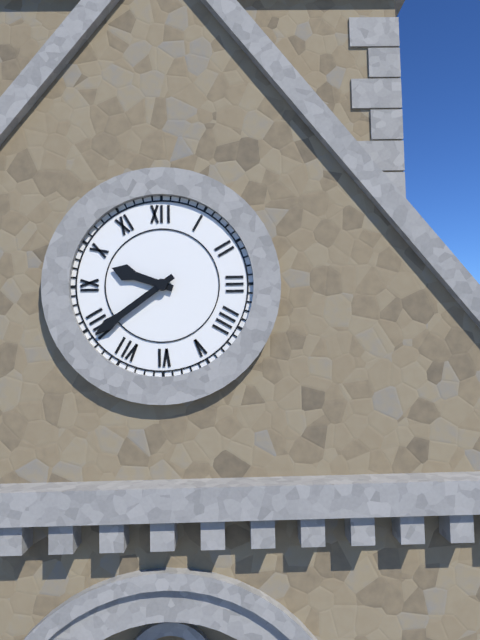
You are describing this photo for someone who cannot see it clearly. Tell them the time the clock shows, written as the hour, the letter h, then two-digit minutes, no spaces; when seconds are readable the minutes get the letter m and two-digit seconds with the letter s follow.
9h39
